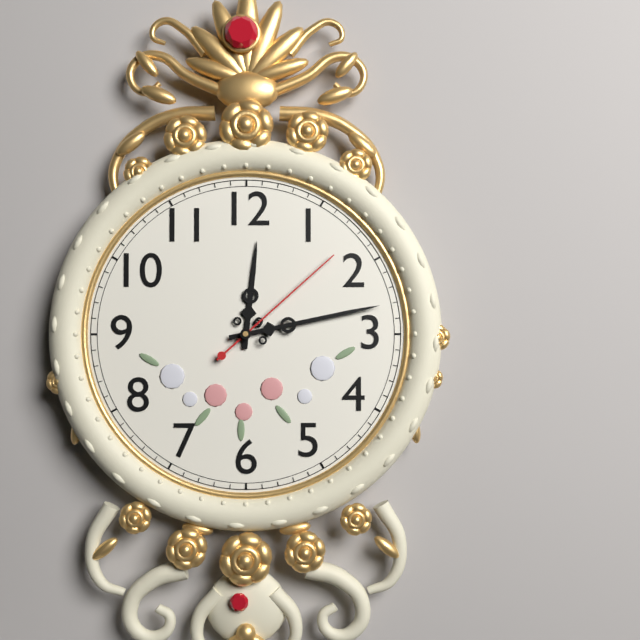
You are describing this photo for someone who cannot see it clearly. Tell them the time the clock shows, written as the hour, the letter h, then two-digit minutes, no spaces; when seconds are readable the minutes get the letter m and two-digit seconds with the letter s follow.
12h13m08s
